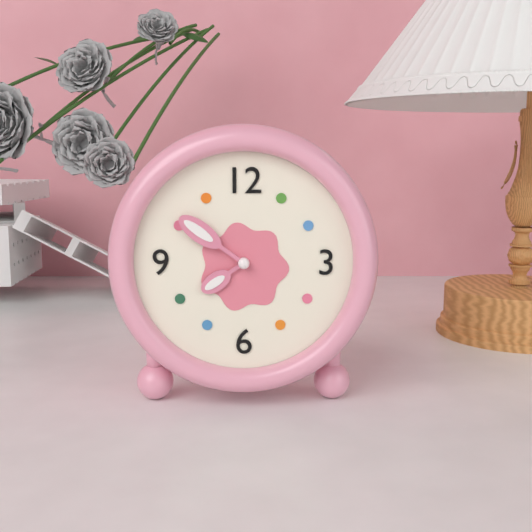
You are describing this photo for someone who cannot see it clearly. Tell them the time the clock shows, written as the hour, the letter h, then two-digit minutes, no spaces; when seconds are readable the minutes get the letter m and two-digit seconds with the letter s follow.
7h51
